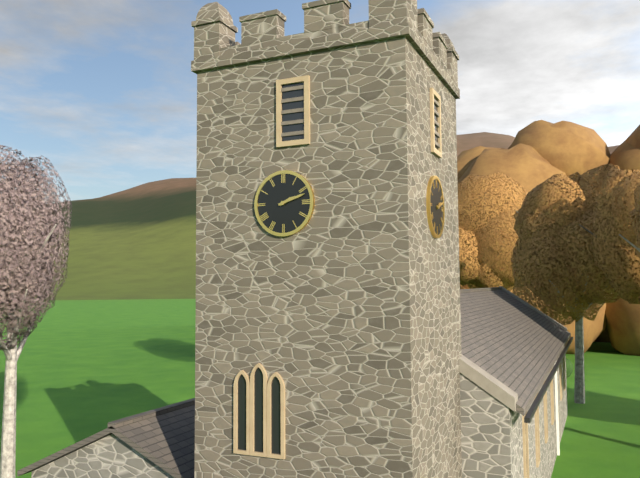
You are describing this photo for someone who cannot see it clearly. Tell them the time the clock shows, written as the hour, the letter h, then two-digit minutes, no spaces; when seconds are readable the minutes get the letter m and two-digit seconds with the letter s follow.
2h12
